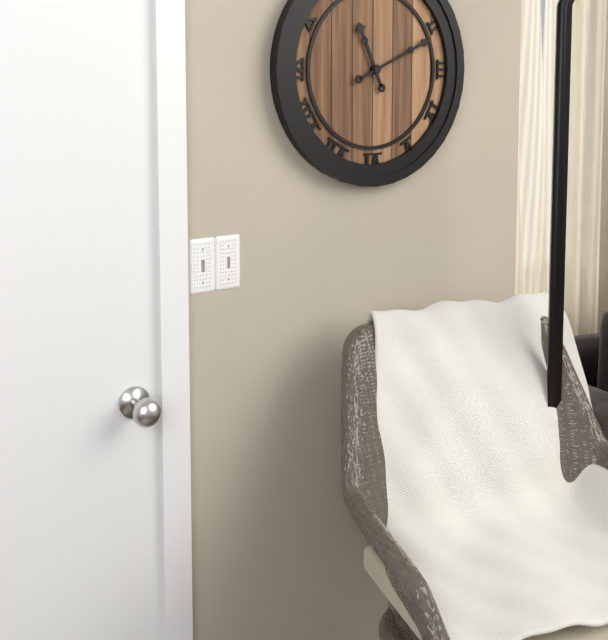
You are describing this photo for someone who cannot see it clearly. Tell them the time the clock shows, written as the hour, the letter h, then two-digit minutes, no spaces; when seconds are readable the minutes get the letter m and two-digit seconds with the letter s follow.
11h11
